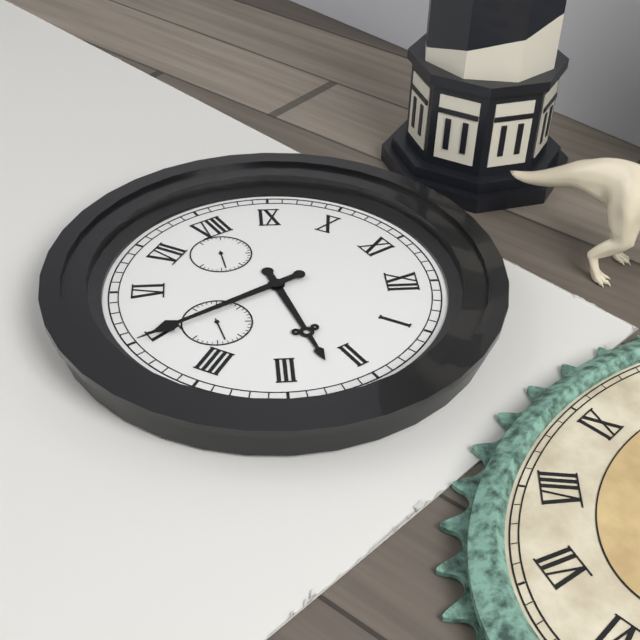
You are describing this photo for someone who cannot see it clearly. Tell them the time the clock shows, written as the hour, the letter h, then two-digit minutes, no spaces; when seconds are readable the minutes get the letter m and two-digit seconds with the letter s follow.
2h25
